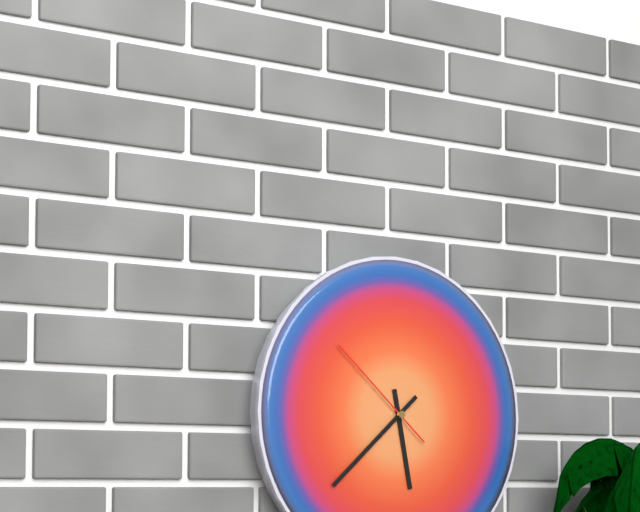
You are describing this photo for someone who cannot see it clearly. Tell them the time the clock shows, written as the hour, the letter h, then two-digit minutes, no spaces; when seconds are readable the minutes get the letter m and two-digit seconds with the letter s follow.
5h38m52s
